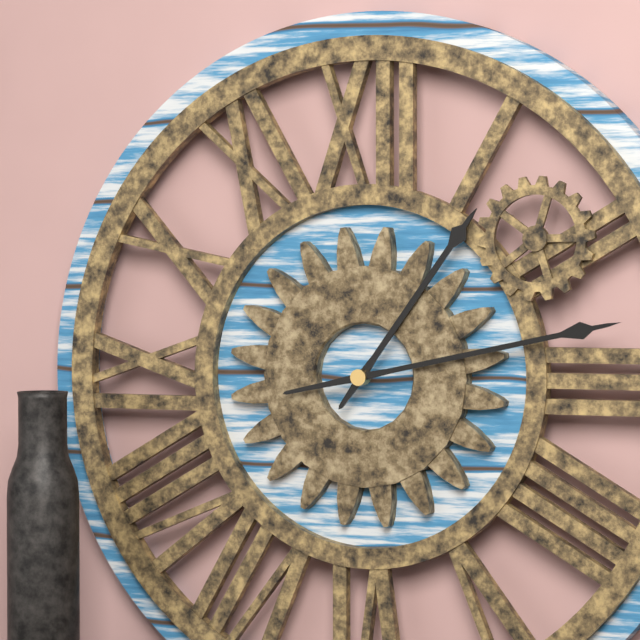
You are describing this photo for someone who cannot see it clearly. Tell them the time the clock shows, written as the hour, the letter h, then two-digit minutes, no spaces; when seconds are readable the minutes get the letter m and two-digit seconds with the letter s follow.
1h13
